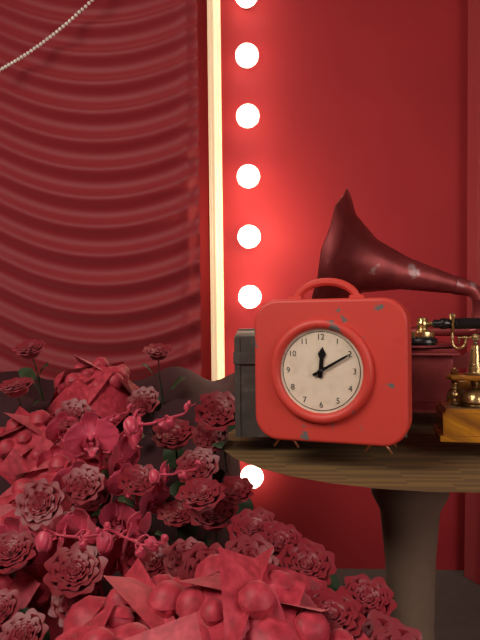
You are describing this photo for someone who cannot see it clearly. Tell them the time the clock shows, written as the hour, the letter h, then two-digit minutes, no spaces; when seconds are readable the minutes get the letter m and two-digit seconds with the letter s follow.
12h10
